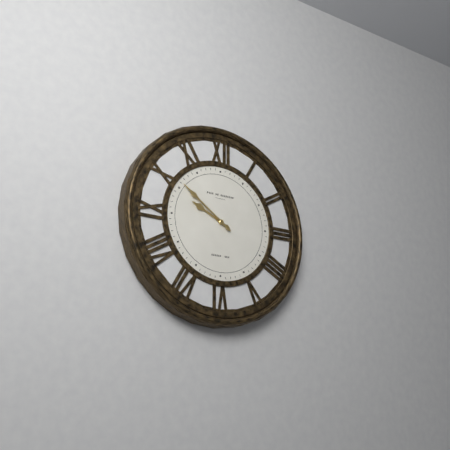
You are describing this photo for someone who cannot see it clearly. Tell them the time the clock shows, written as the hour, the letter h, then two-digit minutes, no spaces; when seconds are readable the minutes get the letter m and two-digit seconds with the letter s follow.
9h51
